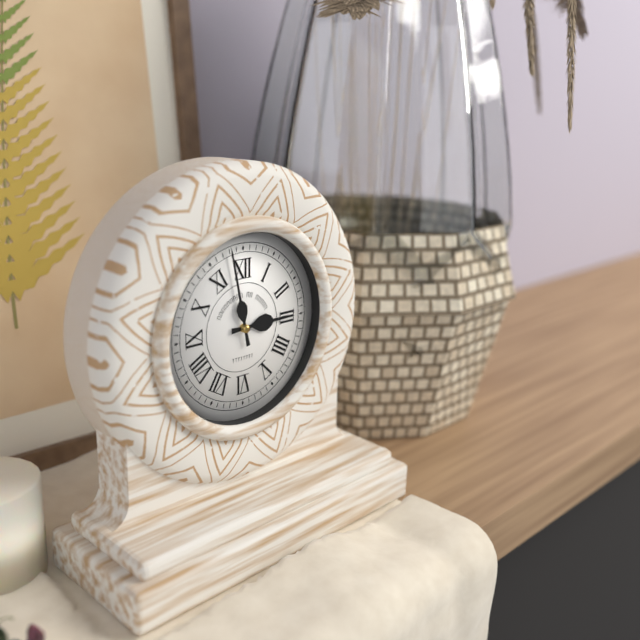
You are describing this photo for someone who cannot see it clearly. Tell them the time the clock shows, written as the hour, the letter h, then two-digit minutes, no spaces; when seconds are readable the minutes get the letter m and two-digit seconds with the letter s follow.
2h58
